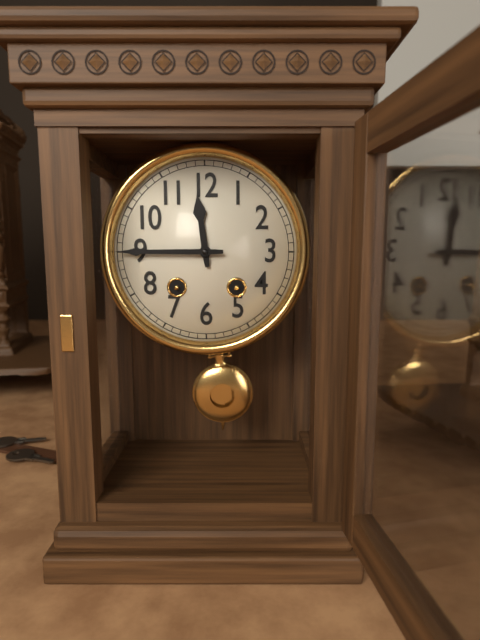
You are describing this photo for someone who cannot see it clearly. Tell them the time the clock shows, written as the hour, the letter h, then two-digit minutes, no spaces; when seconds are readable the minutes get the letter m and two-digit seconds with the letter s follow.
11h45
